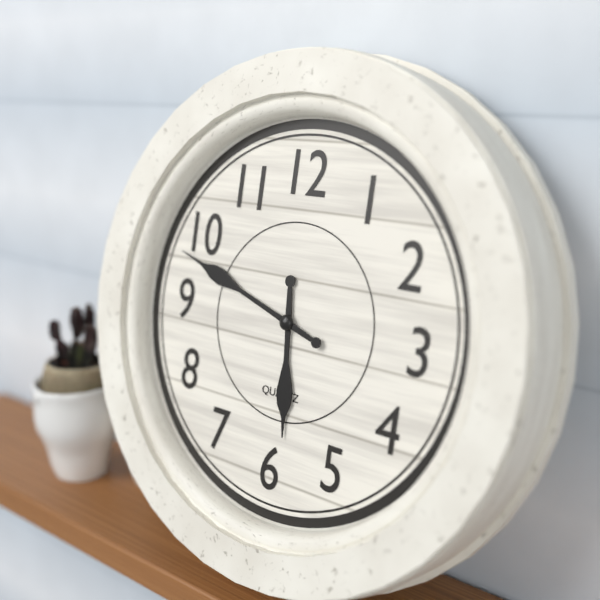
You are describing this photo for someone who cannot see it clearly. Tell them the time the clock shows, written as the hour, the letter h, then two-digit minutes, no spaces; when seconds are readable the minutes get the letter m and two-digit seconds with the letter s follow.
5h48
